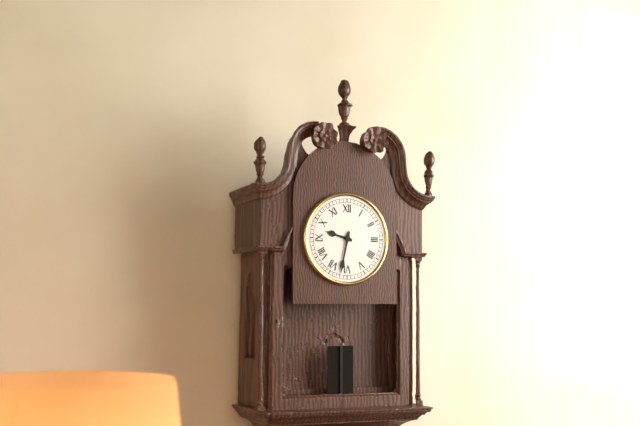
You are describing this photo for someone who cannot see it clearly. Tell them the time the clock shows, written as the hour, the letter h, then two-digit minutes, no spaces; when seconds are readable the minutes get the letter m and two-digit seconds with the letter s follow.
9h32
